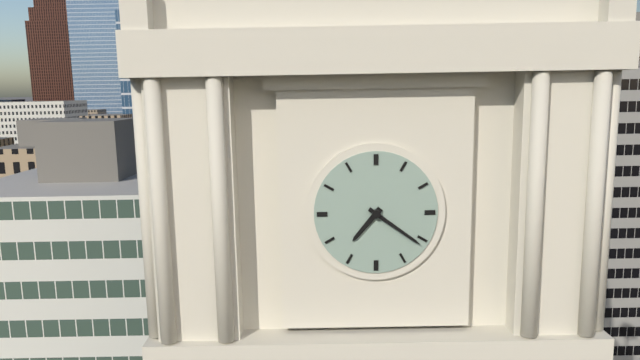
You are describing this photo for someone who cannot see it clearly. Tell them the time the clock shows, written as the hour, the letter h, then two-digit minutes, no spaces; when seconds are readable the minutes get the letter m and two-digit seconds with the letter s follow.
7h21
